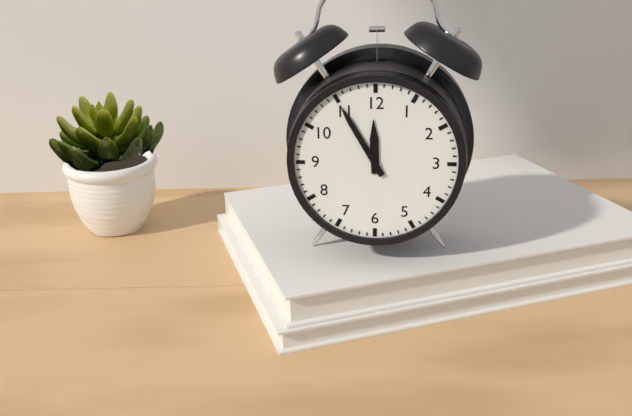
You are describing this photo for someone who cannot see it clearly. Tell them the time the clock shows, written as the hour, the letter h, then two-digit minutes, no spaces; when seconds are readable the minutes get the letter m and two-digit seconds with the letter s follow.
11h55
